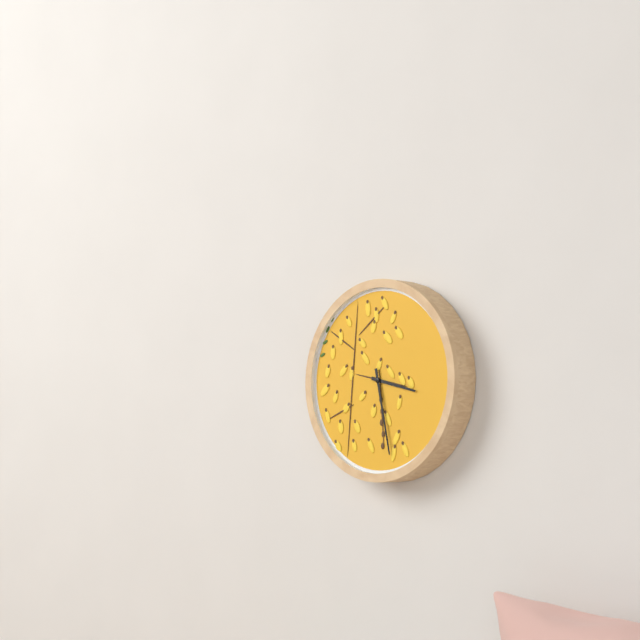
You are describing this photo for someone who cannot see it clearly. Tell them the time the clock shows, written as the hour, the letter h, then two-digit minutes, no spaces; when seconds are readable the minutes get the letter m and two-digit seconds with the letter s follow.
3h28
